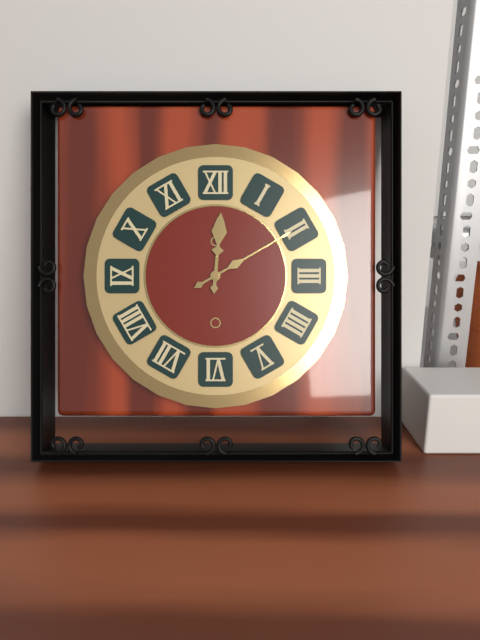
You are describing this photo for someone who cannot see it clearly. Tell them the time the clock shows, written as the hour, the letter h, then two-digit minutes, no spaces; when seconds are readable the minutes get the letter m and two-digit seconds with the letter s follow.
12h10
